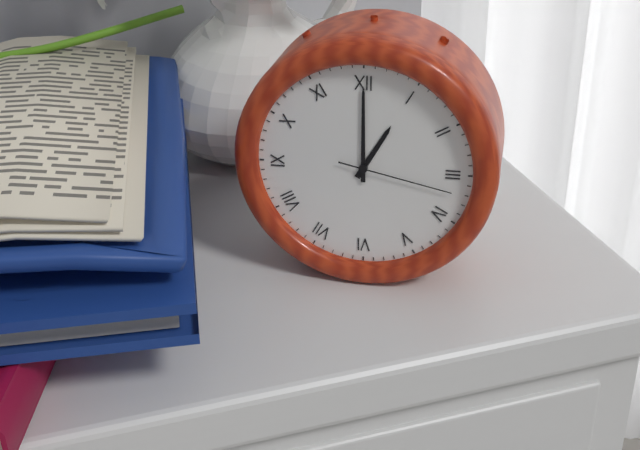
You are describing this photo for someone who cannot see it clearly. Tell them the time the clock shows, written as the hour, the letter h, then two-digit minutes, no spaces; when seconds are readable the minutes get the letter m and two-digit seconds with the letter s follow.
1h00m17s
